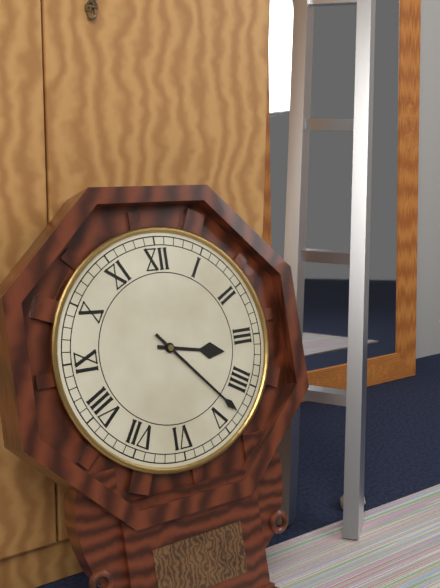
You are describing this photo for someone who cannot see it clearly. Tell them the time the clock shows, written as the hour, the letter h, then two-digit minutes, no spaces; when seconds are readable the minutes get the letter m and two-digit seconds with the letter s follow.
3h23
